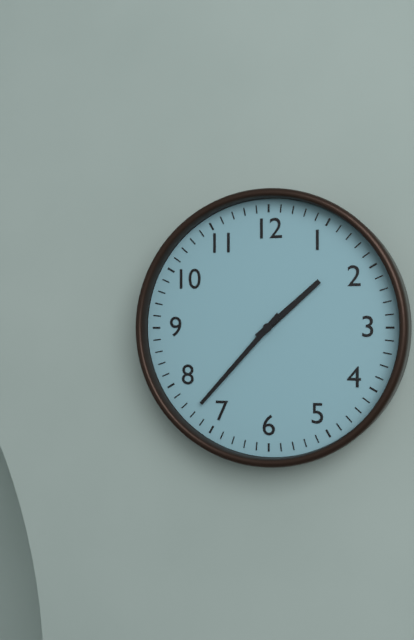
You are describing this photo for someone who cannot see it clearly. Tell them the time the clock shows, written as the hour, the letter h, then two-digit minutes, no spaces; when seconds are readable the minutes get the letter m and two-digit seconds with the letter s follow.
1h37
